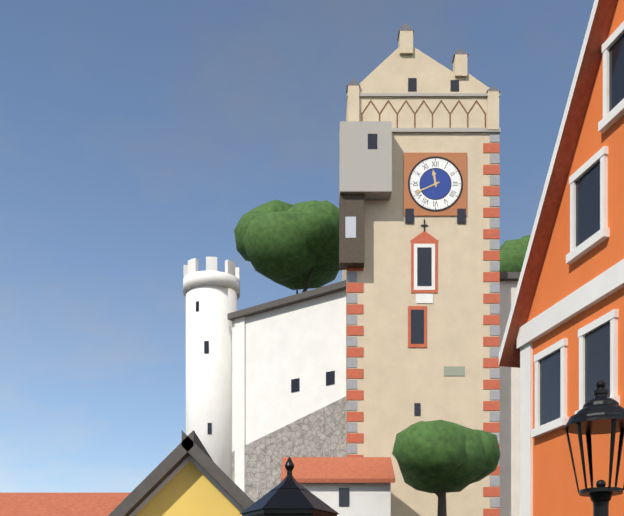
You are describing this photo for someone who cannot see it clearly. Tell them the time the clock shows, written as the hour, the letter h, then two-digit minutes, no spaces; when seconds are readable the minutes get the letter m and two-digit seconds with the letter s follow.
11h41
